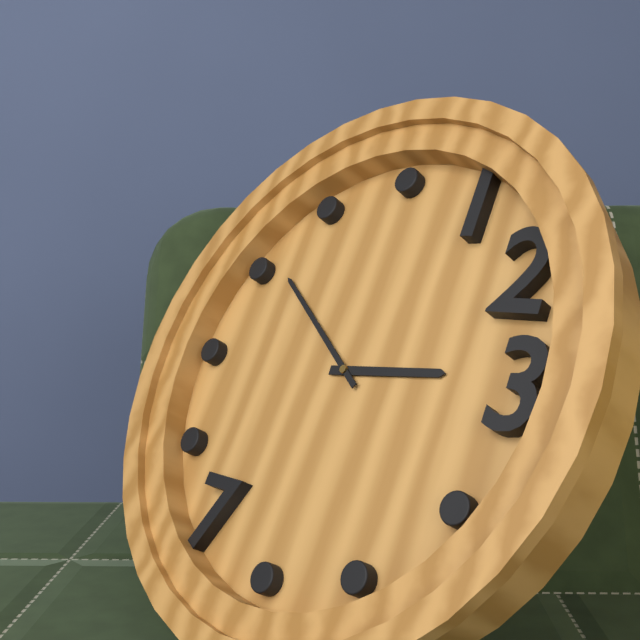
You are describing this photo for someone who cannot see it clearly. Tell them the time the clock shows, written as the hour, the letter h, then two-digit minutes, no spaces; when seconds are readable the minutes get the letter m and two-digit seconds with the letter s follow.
2h51
